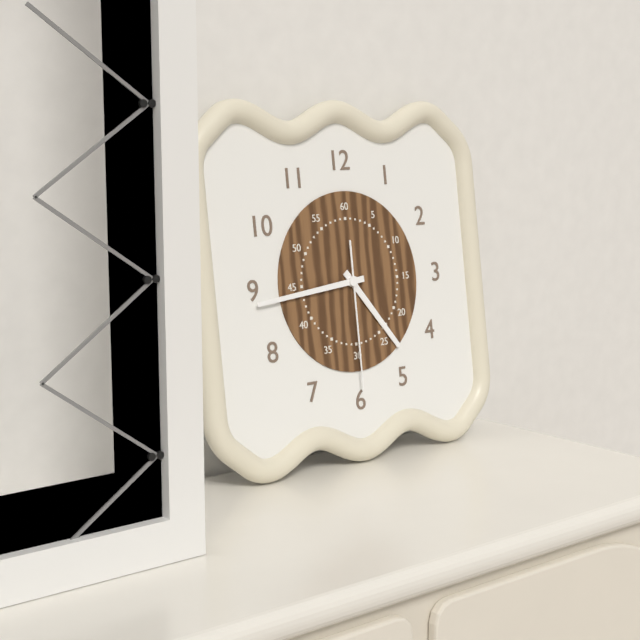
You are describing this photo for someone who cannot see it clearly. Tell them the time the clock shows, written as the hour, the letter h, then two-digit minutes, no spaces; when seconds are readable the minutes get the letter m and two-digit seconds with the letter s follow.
4h44m30s
